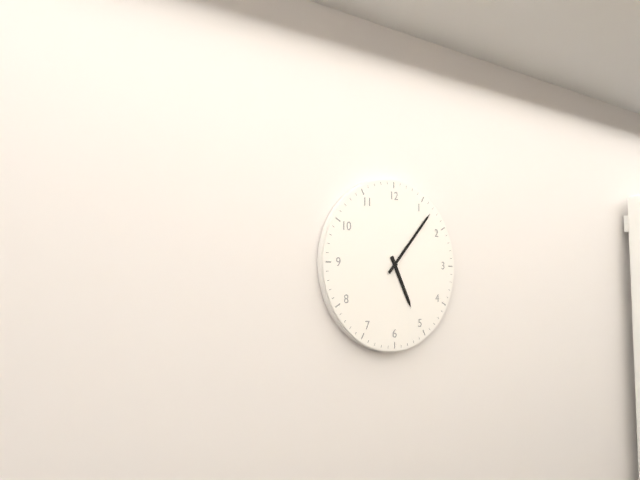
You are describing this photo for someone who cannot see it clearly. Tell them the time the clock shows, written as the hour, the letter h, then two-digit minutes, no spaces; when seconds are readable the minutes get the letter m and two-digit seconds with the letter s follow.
5h07
